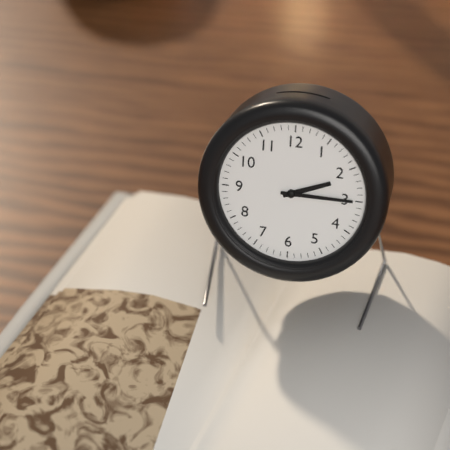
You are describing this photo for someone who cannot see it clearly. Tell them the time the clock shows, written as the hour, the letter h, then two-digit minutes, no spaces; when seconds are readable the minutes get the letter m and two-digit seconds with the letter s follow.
2h15
